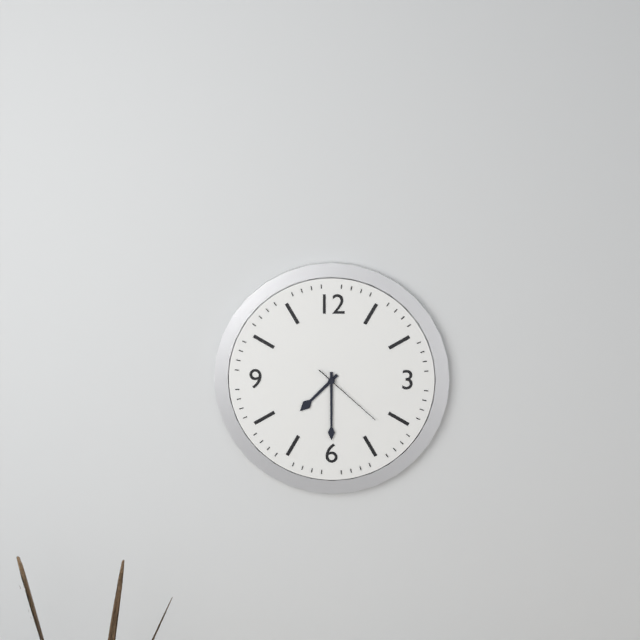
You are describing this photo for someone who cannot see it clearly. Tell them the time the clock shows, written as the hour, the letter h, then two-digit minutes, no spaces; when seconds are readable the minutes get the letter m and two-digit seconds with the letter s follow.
7h30m22s
